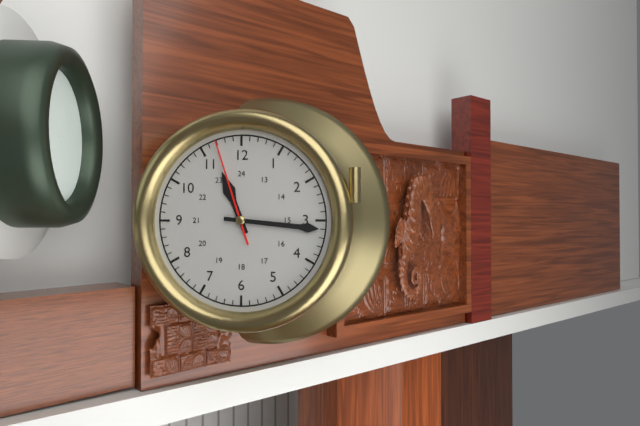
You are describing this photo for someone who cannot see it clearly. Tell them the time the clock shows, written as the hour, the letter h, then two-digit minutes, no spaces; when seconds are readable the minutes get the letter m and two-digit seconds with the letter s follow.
11h16m57s
